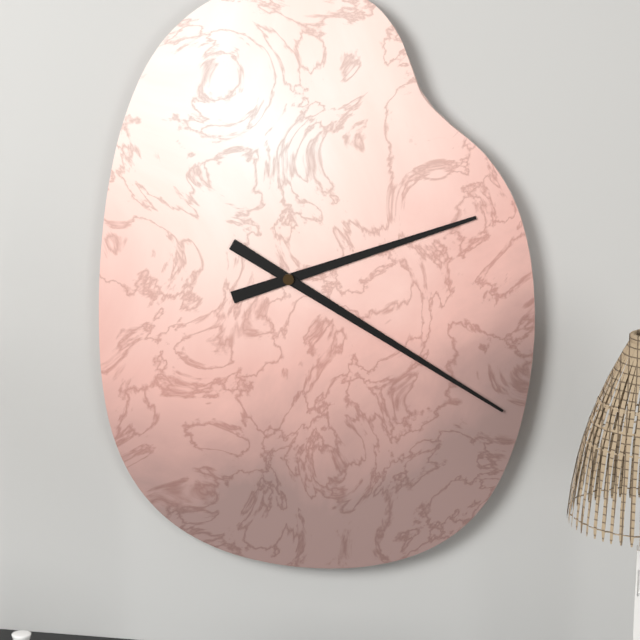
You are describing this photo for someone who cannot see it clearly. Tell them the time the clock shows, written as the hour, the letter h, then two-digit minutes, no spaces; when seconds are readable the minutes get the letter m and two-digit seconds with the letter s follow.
2h20
